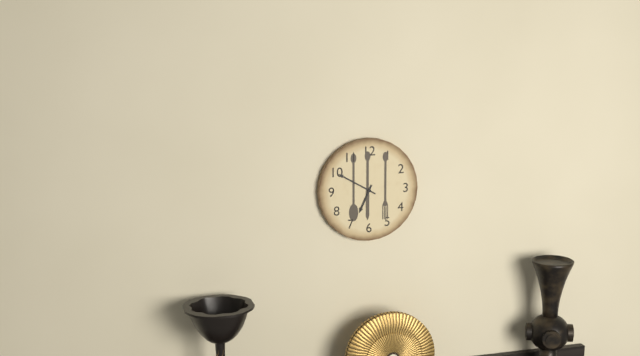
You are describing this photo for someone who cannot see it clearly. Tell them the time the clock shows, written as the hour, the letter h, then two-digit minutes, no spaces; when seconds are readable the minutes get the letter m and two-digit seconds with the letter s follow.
6h50
